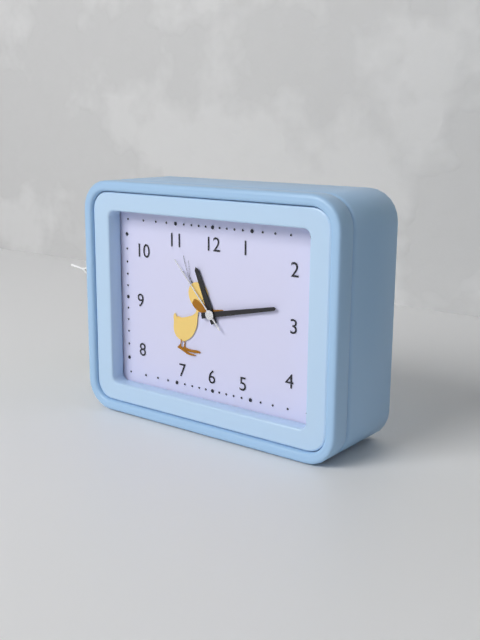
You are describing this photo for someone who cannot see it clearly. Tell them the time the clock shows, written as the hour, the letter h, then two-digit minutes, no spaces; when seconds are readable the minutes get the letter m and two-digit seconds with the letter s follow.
11h13m53s
